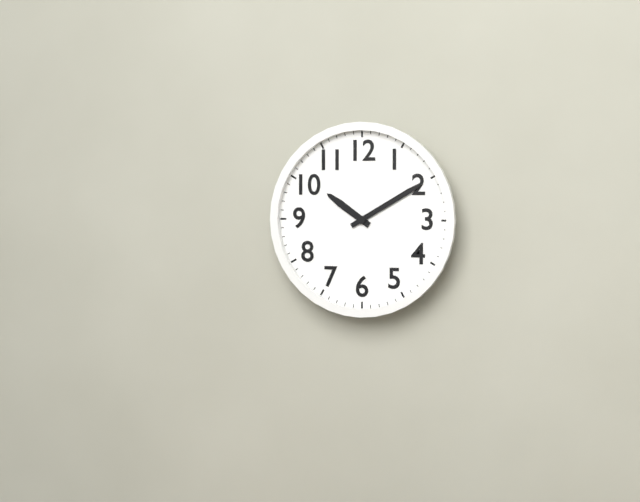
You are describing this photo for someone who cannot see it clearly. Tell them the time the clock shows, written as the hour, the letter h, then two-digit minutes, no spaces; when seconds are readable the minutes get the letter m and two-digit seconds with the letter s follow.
10h10
